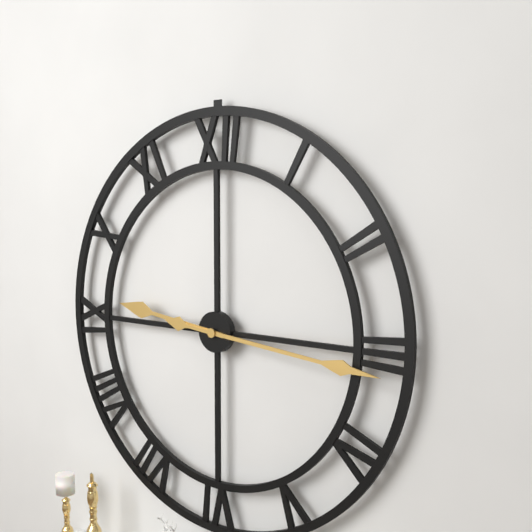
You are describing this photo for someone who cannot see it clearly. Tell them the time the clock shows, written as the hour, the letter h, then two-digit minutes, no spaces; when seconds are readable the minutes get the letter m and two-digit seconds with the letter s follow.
9h16
